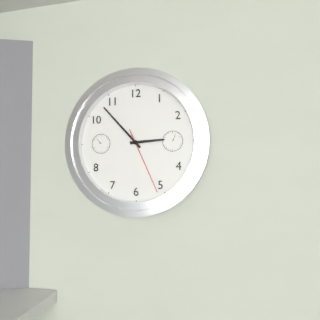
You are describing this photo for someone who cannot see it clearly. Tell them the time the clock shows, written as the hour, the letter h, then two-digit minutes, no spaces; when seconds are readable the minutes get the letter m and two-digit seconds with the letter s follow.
2h53m26s
